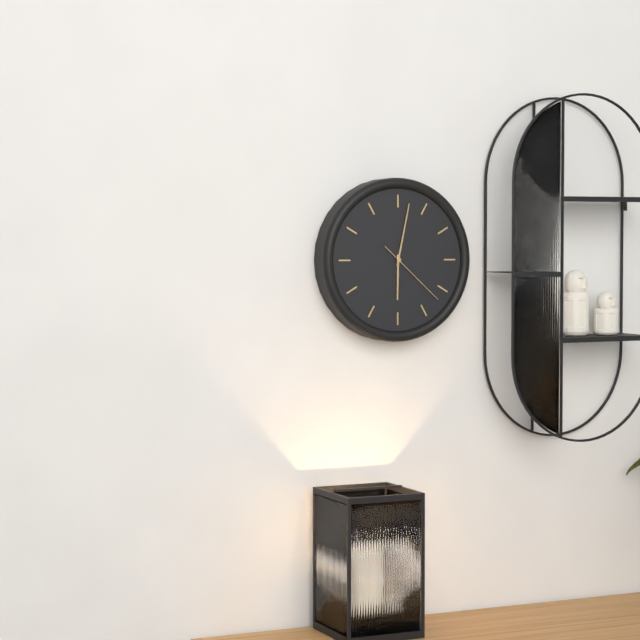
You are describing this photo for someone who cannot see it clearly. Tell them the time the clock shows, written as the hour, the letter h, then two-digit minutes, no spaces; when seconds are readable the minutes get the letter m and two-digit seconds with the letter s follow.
6h02m22s
